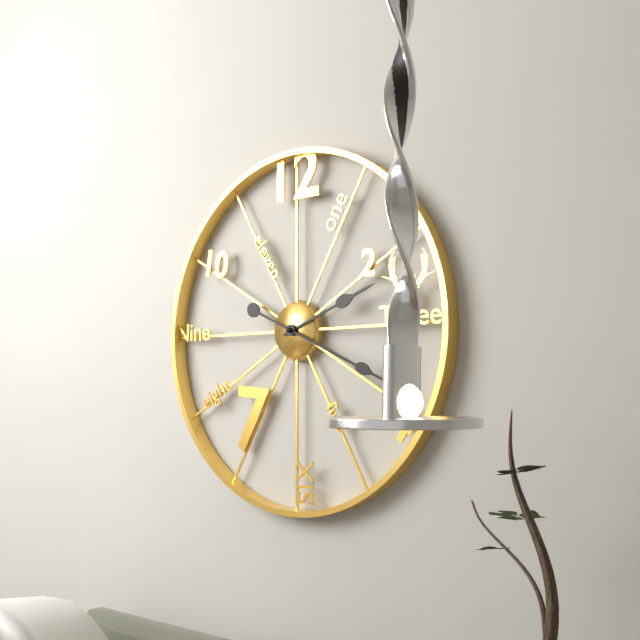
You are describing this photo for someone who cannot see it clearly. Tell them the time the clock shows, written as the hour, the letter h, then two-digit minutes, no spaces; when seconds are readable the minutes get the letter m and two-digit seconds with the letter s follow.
2h19
